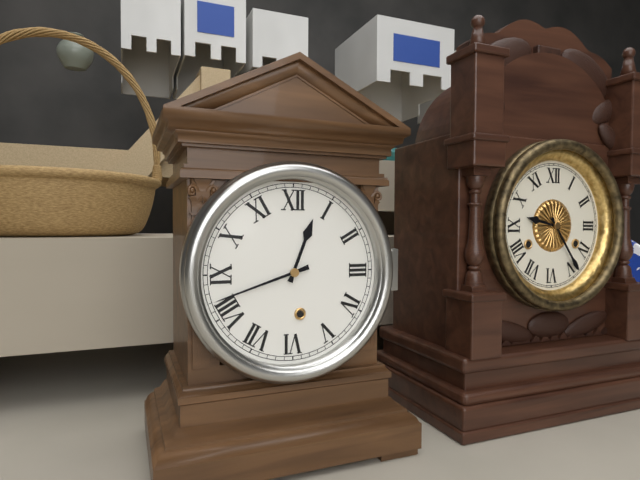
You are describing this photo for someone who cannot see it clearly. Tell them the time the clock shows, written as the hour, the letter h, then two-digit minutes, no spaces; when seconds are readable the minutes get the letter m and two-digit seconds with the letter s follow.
12h42
